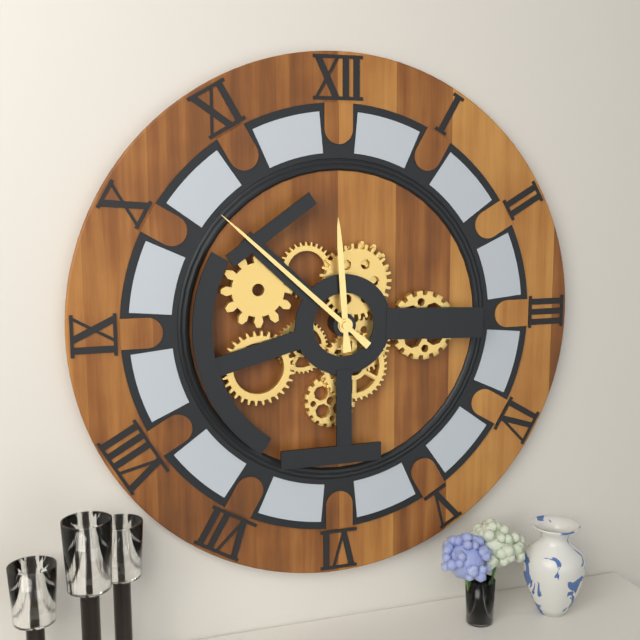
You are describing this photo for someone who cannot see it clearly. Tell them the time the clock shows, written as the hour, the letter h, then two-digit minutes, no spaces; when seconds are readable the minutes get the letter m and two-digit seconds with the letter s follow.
11h52
